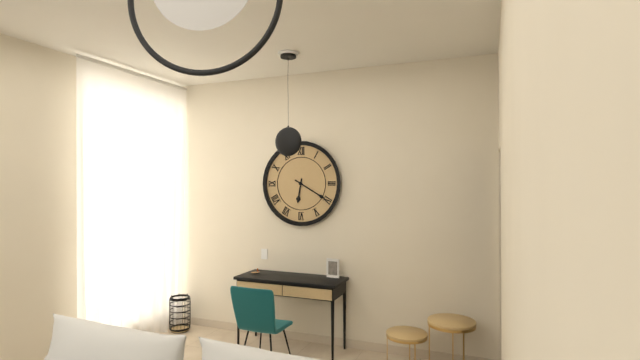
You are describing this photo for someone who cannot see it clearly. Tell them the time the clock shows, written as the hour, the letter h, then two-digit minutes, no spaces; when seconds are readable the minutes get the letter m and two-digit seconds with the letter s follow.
6h20
